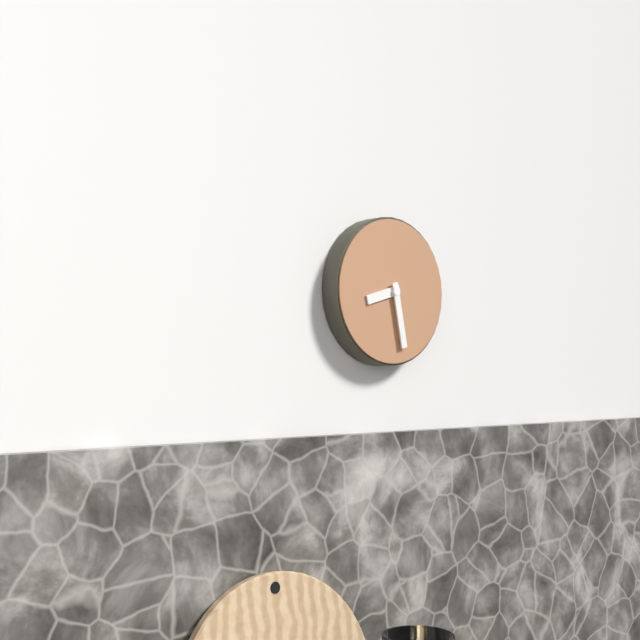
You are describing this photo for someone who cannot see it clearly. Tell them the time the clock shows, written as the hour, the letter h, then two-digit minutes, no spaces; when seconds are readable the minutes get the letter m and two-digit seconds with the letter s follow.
8h28
